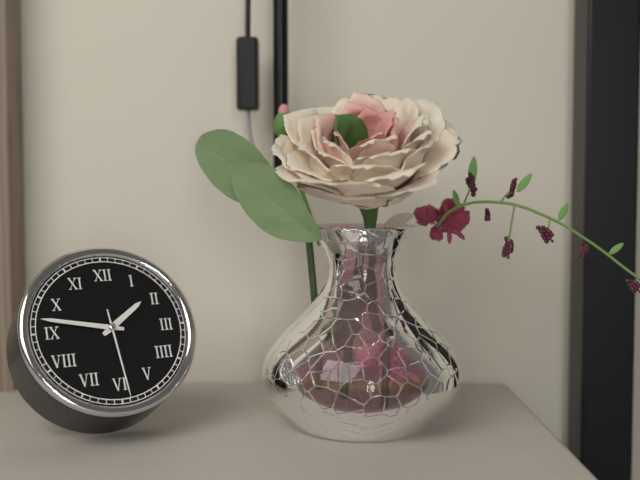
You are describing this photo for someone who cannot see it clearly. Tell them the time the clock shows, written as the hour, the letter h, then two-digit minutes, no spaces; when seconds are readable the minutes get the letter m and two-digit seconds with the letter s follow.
1h47m29s
